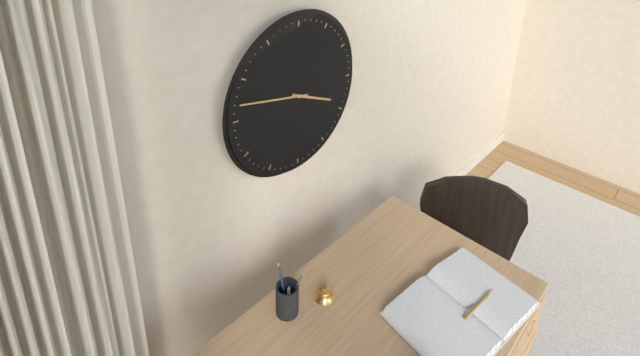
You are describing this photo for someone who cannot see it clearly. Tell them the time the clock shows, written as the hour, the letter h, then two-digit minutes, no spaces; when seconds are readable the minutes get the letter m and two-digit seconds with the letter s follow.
3h47
